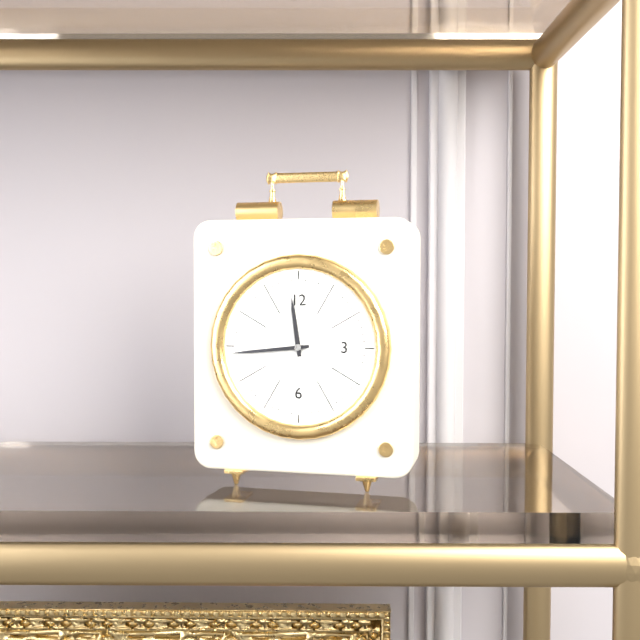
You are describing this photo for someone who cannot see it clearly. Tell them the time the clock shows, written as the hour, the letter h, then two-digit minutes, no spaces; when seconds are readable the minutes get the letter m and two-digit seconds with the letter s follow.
11h44
